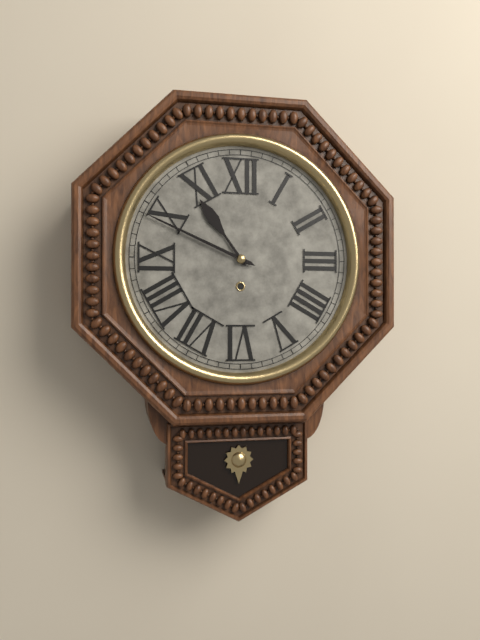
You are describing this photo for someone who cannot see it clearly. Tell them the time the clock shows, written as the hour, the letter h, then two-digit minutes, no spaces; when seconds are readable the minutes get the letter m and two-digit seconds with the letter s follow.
10h49
